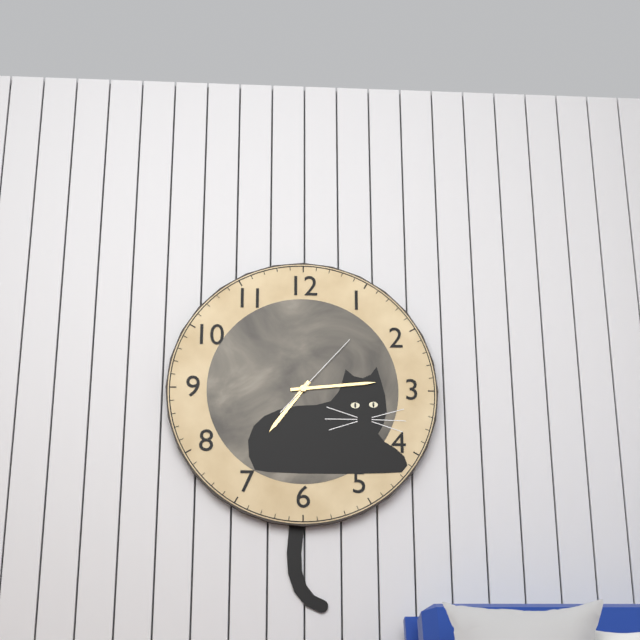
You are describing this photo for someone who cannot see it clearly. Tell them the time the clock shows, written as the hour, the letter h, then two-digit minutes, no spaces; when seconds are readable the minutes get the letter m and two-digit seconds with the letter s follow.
7h14m07s
